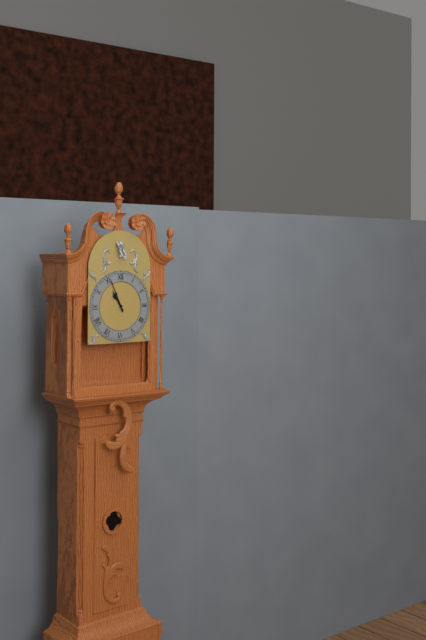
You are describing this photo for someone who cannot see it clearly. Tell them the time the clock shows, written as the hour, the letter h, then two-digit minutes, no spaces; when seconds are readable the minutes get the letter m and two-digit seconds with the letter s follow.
10h56
